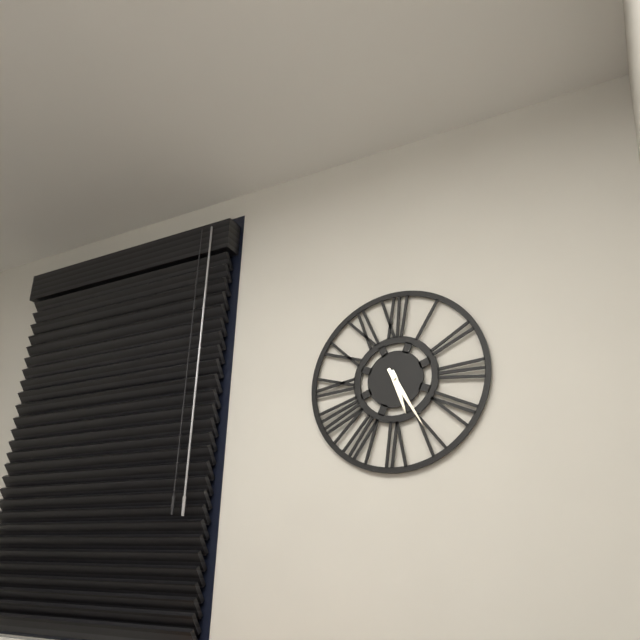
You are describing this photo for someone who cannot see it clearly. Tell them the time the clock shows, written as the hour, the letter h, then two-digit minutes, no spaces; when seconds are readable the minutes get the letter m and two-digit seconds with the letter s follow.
5h25
